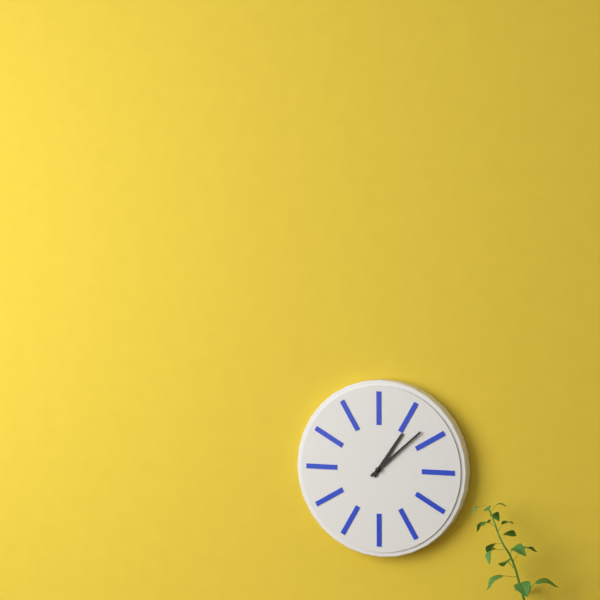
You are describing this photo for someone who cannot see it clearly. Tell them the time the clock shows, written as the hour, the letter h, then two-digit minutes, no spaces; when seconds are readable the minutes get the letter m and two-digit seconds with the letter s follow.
1h08
